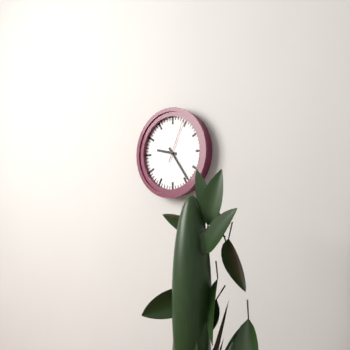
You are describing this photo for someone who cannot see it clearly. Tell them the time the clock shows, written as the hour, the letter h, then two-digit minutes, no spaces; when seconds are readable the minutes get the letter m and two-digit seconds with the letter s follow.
9h24
